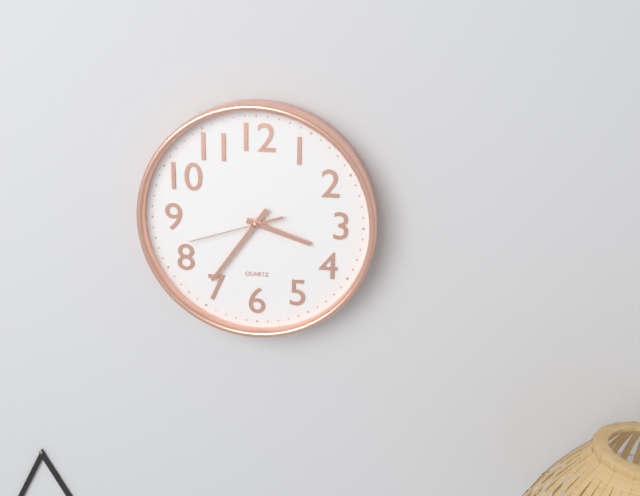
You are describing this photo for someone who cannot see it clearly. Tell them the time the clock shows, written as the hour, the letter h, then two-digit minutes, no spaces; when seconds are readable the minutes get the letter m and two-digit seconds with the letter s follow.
3h36m42s
